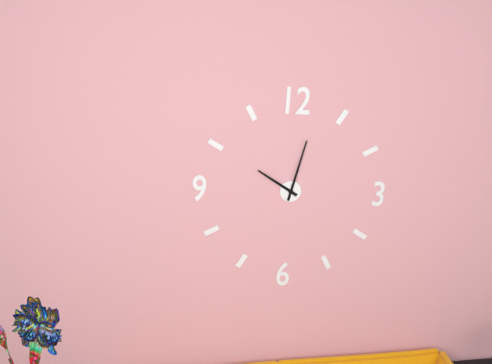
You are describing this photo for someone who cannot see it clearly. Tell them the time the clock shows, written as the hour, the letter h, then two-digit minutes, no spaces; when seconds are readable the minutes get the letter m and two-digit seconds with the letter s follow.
10h02
